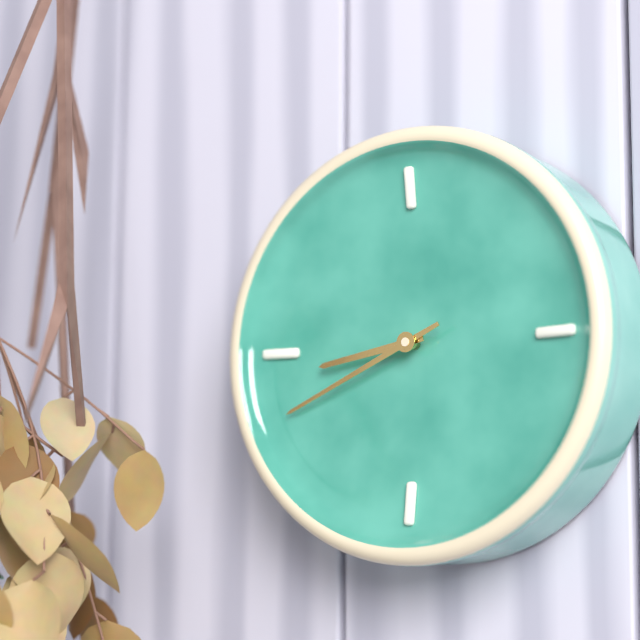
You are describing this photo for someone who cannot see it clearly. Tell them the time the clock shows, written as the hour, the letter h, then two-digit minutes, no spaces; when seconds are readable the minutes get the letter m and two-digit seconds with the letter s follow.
8h41
